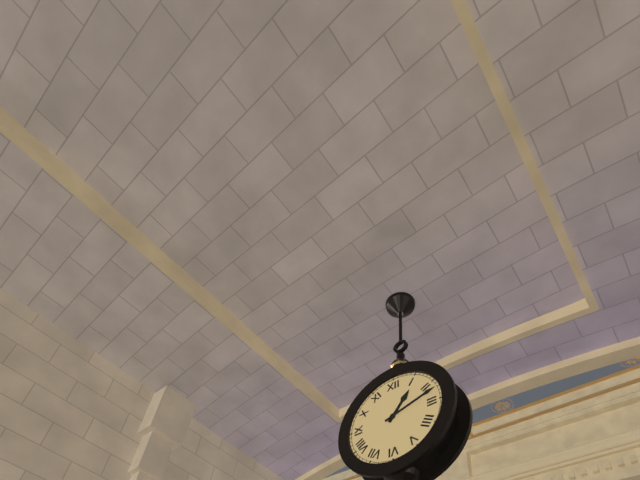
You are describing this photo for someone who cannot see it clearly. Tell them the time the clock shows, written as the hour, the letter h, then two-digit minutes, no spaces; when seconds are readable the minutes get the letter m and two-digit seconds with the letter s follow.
1h12
